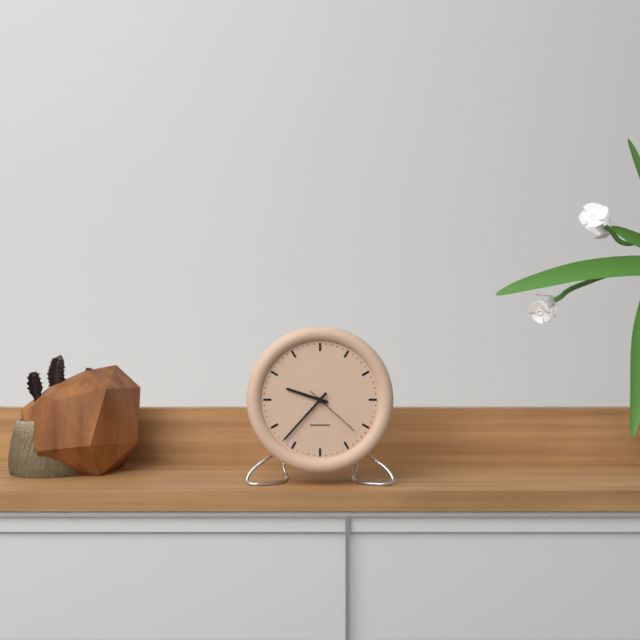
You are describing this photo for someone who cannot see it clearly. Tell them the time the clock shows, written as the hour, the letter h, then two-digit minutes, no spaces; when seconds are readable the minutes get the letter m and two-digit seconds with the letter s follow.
9h37m22s
